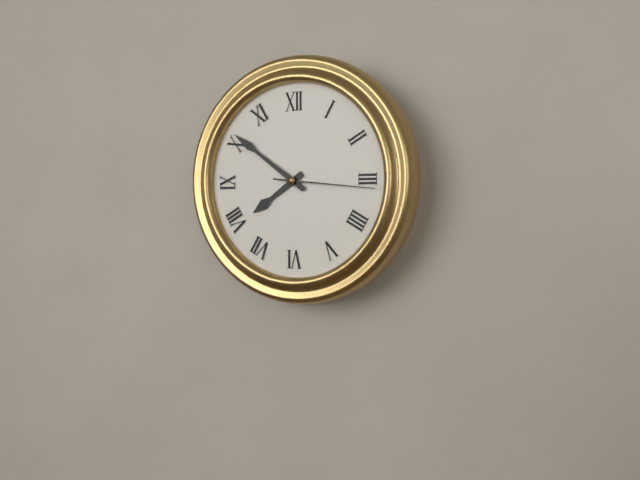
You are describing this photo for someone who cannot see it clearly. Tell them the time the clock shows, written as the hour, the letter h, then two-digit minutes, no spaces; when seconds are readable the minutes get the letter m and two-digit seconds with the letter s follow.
7h51m16s
